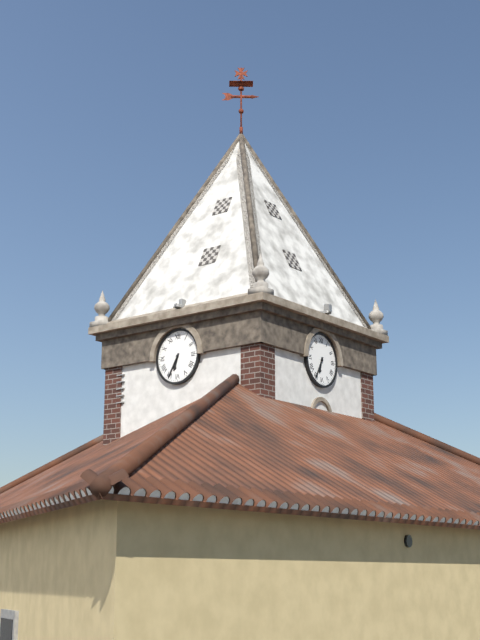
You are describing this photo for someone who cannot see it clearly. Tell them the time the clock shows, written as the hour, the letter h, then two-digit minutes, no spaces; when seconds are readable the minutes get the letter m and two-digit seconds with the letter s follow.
6h35
